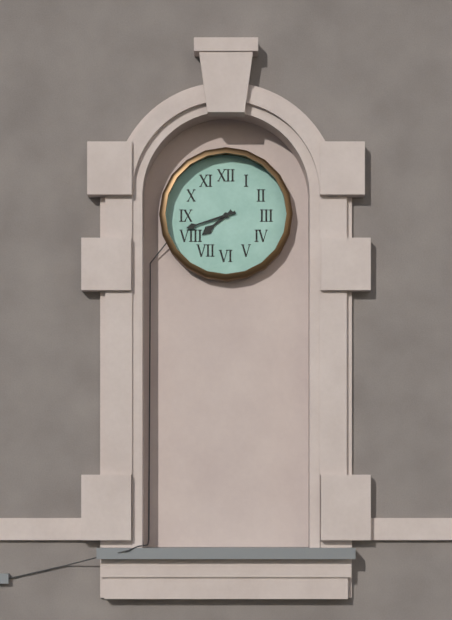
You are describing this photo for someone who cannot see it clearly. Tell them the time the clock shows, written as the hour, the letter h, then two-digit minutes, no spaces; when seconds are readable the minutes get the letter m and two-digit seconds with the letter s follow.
7h42
